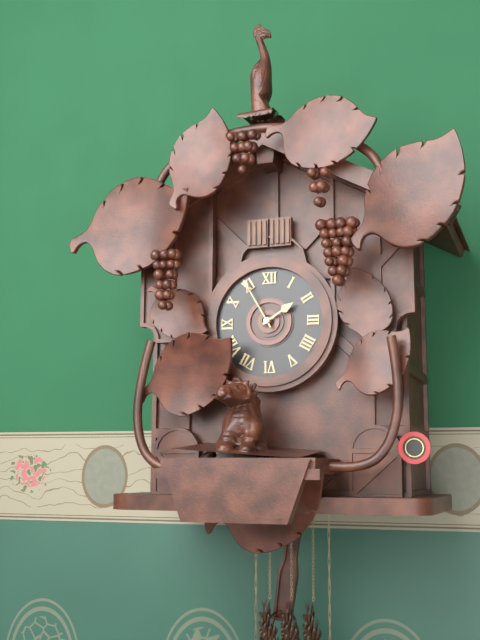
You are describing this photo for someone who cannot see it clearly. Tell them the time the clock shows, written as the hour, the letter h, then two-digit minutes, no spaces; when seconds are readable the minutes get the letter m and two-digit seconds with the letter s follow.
1h55
